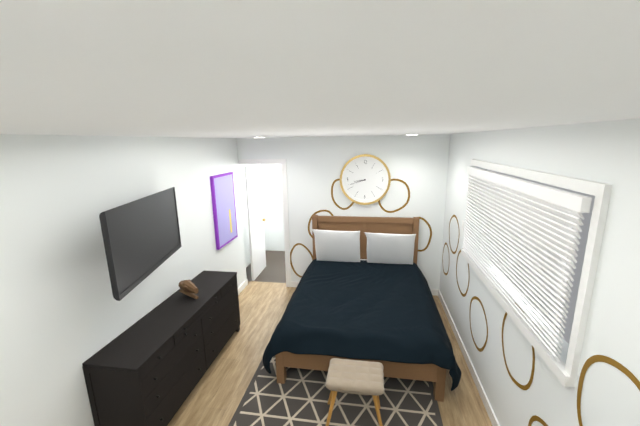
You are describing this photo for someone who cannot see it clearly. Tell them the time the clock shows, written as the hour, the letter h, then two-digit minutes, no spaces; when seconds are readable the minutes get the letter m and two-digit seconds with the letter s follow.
8h42
